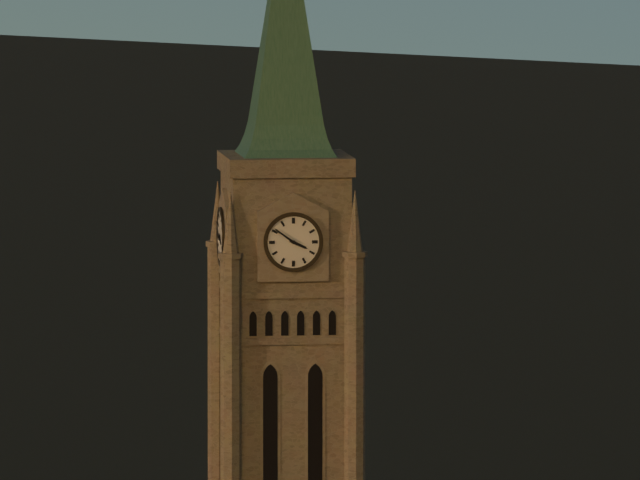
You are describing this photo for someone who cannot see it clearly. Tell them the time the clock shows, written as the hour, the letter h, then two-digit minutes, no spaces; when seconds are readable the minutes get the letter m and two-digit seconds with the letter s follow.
3h51
